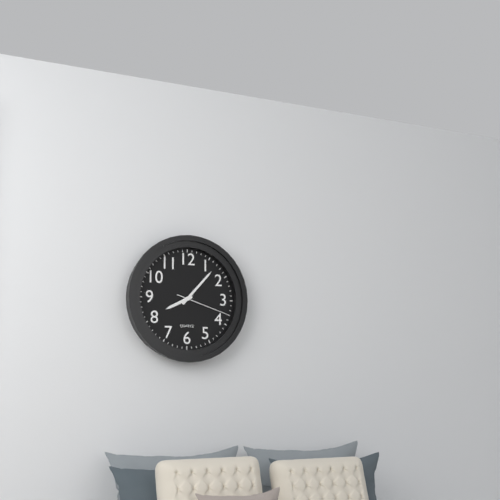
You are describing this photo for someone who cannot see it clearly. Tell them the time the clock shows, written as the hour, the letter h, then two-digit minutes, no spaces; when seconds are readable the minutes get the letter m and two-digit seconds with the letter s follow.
8h07m18s
